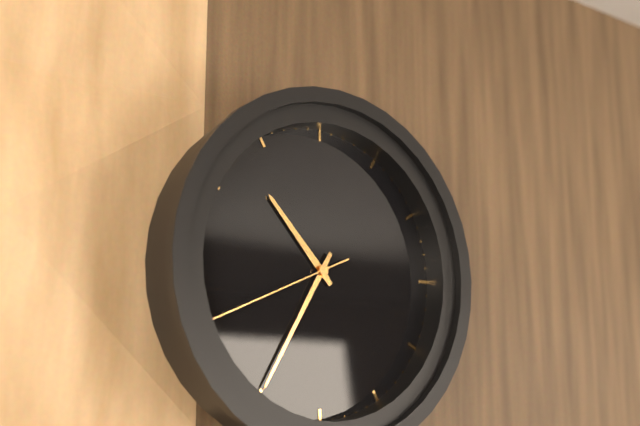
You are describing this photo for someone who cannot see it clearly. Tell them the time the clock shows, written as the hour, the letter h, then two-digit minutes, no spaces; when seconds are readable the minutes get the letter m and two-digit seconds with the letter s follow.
10h35m41s
